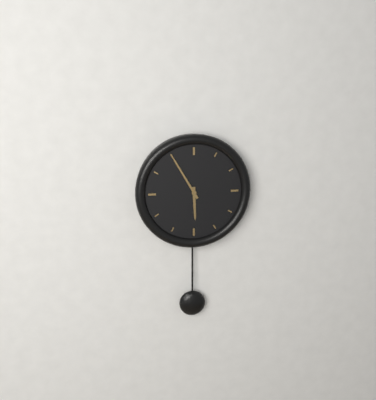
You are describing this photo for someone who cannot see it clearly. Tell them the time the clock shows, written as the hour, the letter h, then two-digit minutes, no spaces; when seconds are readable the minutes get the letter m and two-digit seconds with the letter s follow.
5h55
